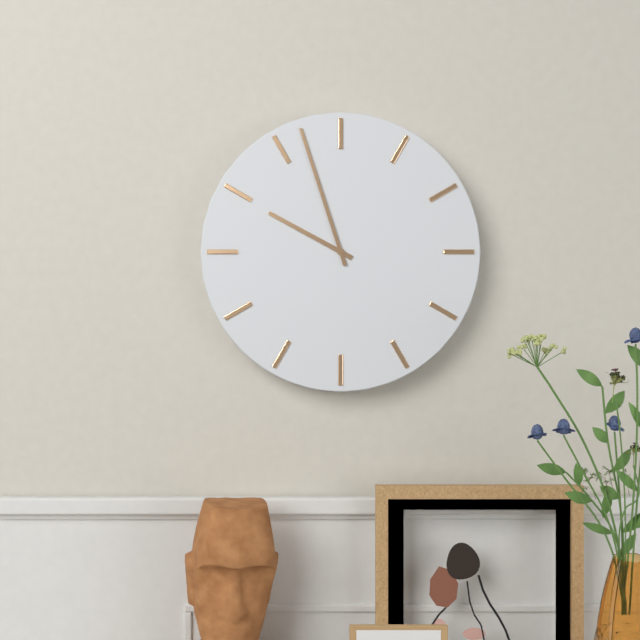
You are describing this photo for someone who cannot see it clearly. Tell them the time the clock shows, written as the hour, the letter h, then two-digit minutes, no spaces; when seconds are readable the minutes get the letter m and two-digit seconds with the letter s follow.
9h57
